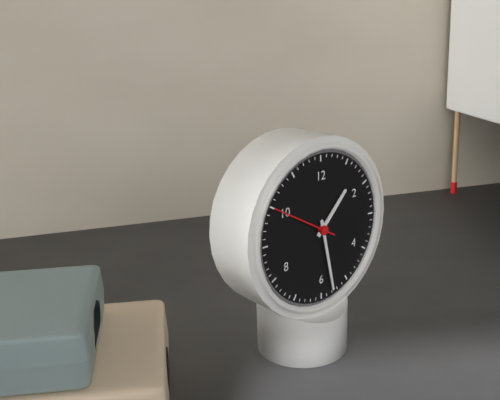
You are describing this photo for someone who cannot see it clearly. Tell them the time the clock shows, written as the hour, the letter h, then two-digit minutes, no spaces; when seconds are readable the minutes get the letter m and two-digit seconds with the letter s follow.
1h28m50s
